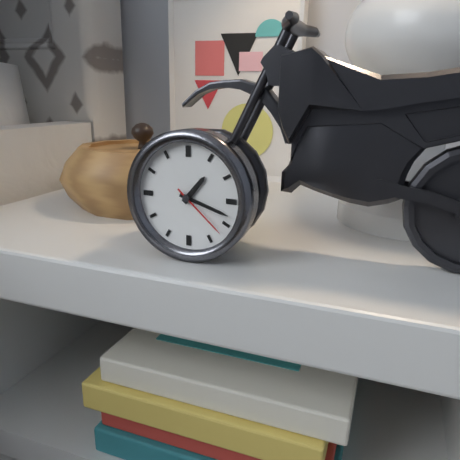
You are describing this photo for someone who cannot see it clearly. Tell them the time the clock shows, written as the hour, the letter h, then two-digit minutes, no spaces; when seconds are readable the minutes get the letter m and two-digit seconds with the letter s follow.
1h18m22s
